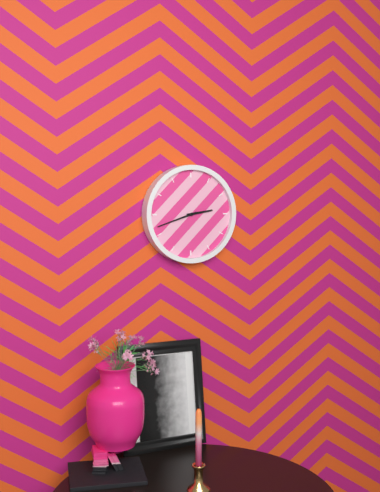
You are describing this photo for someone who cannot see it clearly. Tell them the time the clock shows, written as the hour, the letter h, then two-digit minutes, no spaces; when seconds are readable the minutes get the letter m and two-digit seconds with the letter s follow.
2h42
